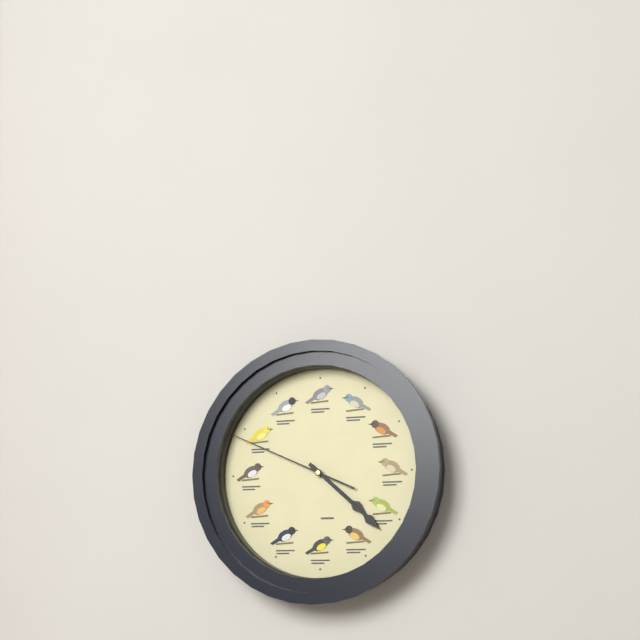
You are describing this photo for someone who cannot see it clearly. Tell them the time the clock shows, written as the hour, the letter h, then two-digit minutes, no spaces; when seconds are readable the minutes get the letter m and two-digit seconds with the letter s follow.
4h22m49s
